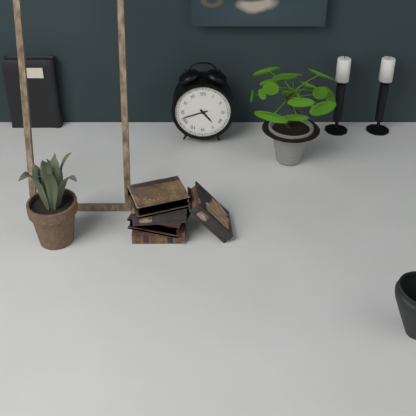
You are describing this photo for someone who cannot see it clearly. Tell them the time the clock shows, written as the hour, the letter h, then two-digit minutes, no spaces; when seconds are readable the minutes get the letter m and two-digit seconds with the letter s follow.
4h42
